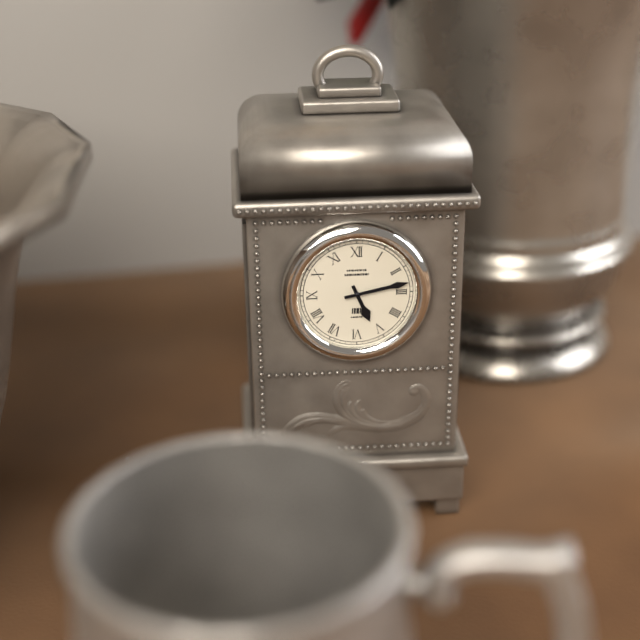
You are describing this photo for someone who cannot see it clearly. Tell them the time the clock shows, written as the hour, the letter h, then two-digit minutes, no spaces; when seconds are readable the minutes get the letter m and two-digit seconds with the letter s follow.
5h13
